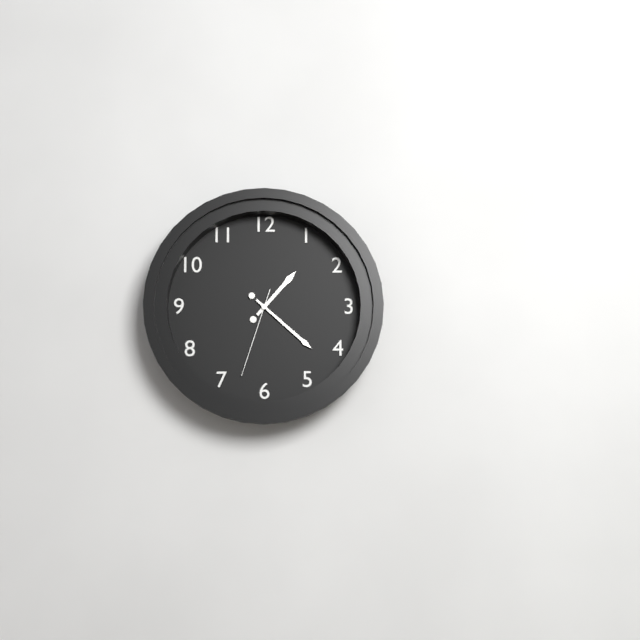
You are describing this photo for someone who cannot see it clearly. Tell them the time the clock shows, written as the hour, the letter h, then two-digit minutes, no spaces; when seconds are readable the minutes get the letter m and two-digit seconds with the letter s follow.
1h22m33s
